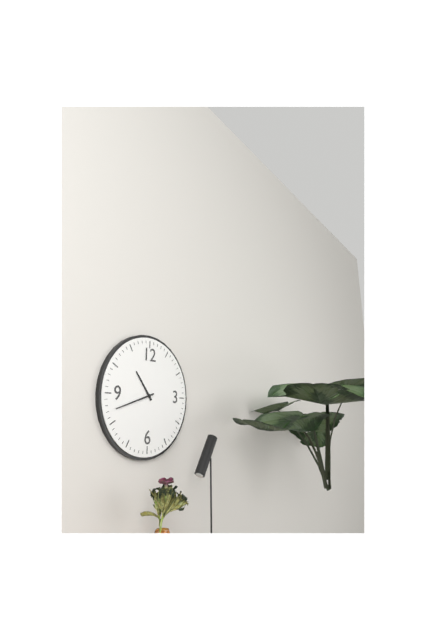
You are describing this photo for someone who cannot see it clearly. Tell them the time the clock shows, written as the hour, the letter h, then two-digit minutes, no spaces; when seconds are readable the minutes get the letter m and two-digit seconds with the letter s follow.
10h42
